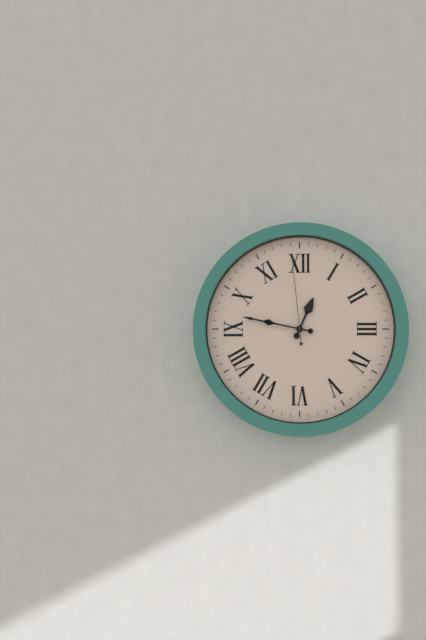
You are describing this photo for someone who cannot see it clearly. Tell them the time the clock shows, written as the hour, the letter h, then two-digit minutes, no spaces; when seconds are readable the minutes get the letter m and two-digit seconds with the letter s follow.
12h47m59s
